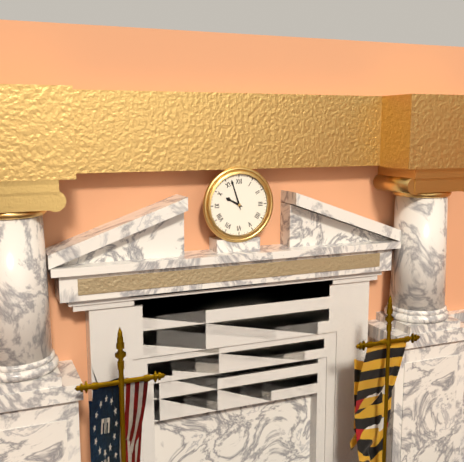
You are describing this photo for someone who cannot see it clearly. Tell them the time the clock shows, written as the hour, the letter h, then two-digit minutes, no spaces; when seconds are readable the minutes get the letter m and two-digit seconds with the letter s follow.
9h57
